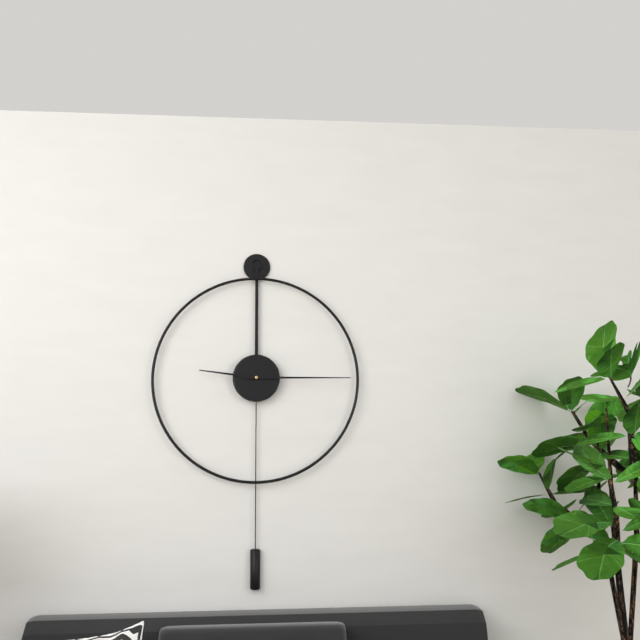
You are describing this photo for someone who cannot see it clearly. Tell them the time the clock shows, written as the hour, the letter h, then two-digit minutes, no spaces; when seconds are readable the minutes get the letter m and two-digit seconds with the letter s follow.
9h15
